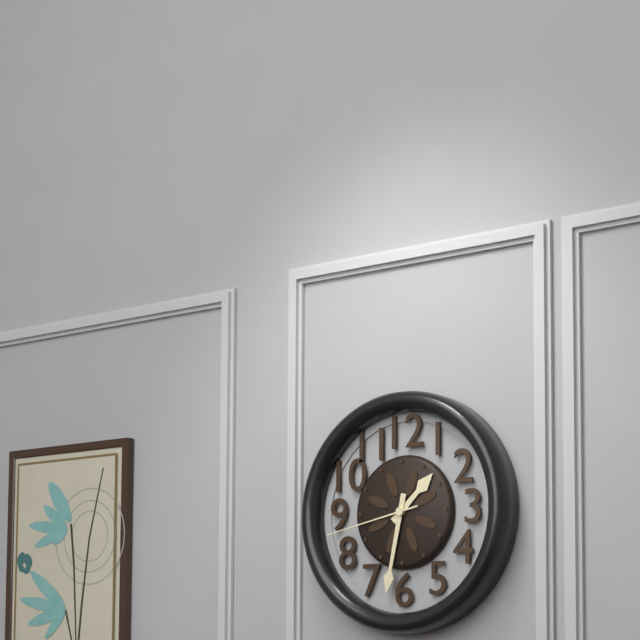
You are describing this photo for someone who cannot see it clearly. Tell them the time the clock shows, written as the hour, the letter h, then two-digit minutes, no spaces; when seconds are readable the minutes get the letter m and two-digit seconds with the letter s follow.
1h32m43s
